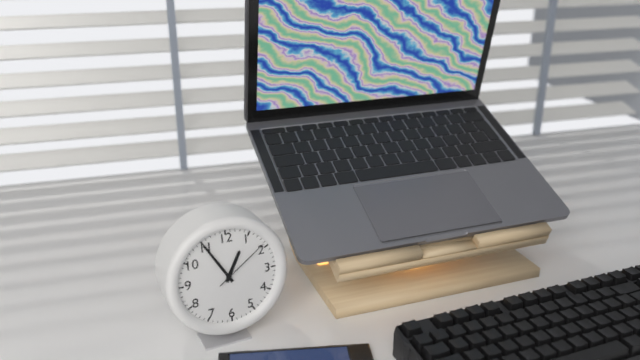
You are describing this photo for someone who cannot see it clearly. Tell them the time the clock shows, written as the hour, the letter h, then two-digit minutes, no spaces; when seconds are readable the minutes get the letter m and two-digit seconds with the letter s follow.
12h55m09s
